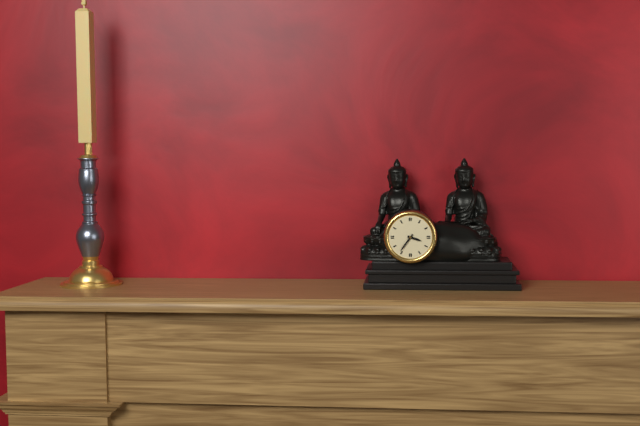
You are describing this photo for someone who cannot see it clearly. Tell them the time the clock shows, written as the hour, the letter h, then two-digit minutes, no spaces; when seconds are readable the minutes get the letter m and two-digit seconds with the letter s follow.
3h36
